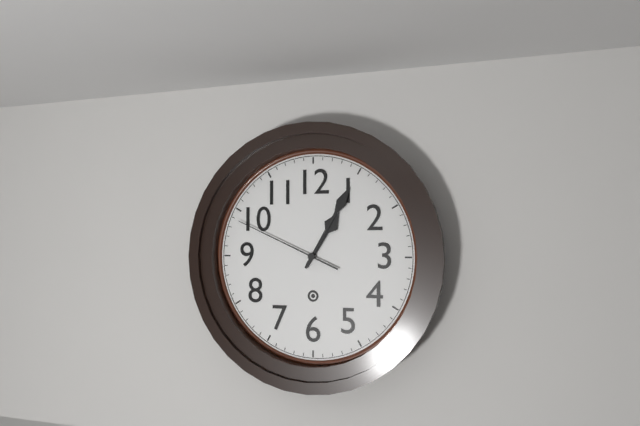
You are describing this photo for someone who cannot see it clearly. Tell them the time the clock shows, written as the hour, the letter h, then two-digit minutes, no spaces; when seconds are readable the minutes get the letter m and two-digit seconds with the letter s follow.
1h05m49s
